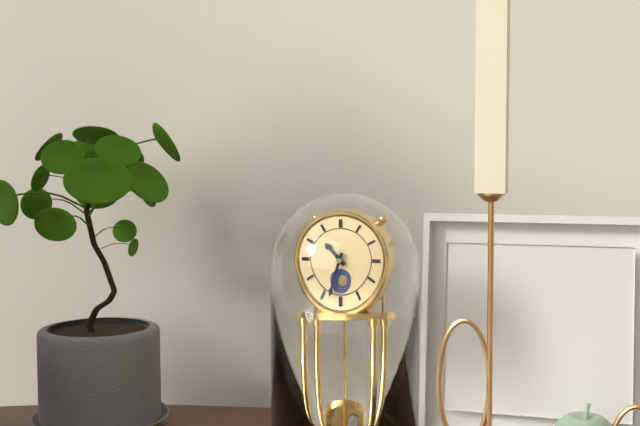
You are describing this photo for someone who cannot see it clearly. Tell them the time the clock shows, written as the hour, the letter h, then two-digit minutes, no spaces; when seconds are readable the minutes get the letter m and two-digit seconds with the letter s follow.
10h33
